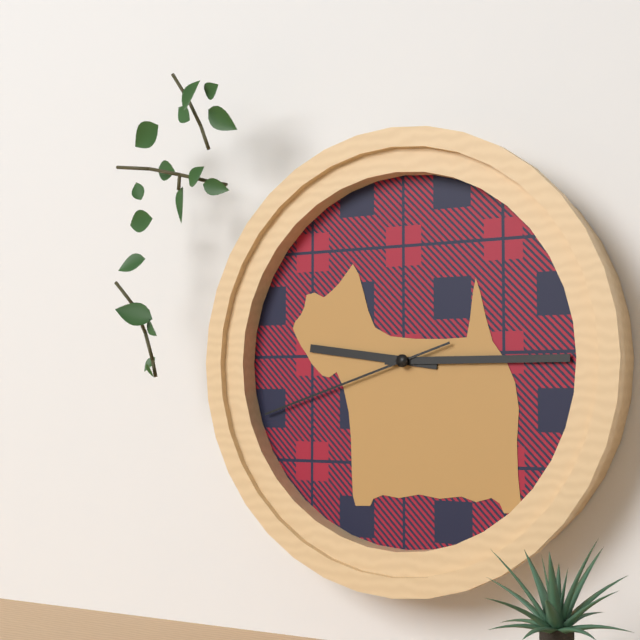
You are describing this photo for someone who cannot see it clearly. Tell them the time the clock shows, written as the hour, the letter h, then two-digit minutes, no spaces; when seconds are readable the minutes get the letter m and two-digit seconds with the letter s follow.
9h15m42s
